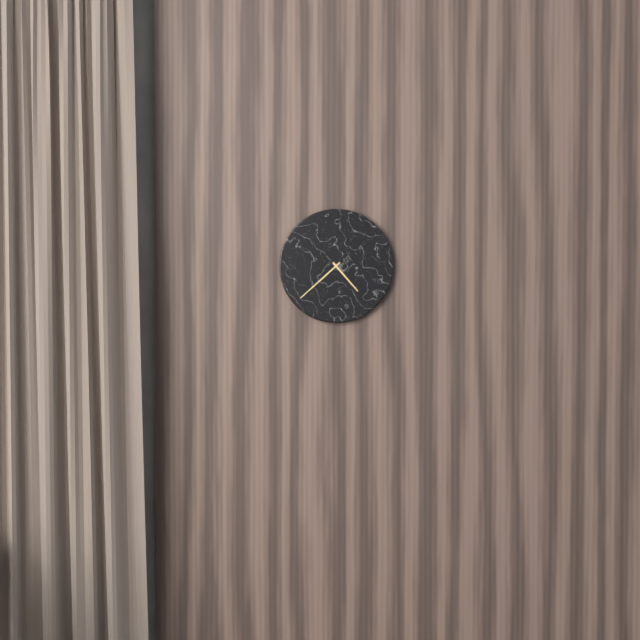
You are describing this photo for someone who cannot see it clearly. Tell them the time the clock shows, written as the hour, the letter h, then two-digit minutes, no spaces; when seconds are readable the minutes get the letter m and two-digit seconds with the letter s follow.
4h38
